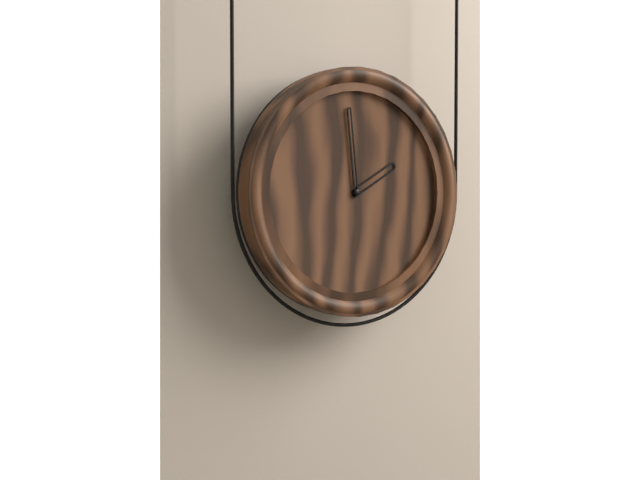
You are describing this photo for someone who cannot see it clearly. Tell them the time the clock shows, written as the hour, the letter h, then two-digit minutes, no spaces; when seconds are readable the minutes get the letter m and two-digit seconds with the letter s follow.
1h59
